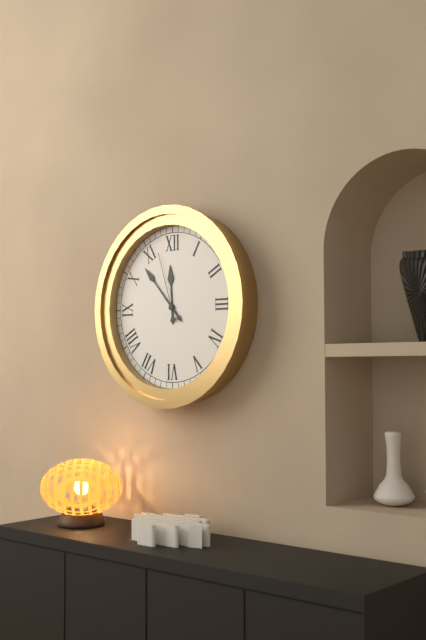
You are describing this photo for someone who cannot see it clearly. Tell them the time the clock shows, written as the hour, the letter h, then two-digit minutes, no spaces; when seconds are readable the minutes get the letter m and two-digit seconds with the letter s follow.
11h53m57s
